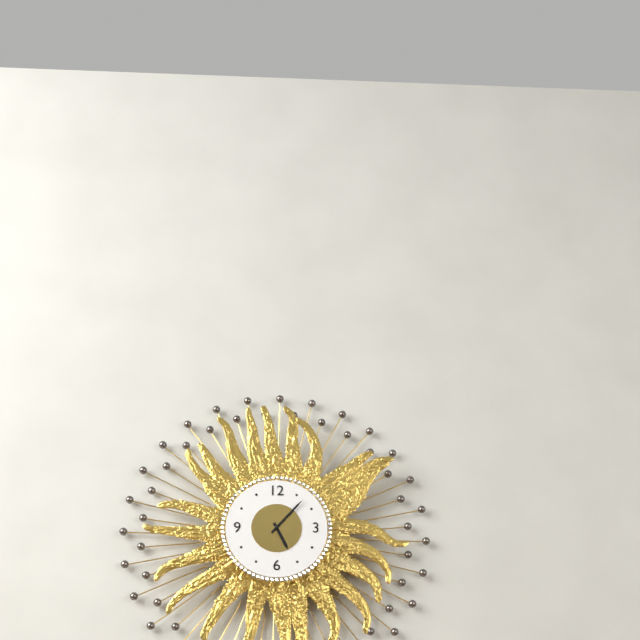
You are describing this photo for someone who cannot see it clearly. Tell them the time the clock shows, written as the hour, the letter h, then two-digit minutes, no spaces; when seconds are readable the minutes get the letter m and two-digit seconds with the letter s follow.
5h07
